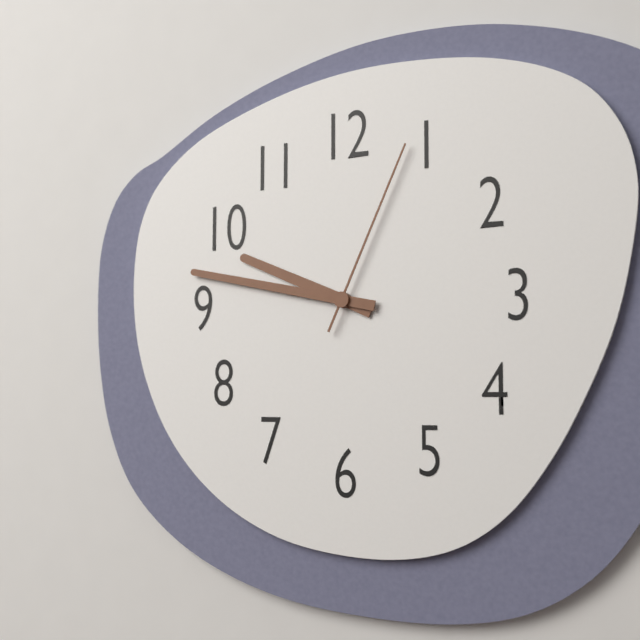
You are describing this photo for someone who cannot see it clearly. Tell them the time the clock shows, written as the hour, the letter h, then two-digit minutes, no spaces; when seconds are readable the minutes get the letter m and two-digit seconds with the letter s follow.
9h47m04s
